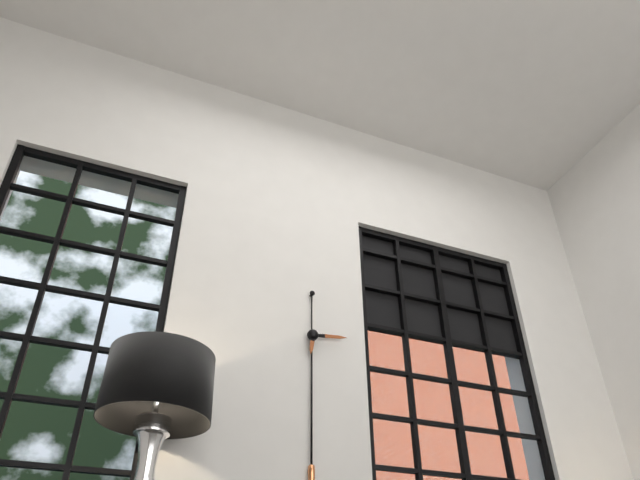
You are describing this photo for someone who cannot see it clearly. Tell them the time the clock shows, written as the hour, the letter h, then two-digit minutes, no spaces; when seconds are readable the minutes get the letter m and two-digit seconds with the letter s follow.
6h14
